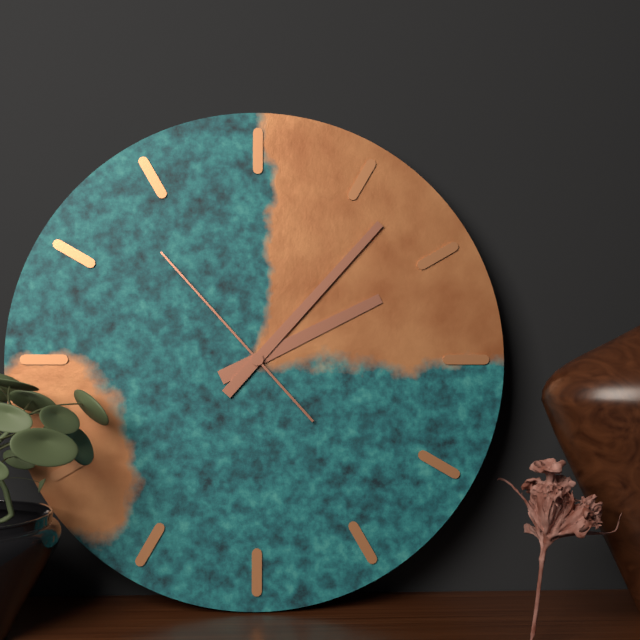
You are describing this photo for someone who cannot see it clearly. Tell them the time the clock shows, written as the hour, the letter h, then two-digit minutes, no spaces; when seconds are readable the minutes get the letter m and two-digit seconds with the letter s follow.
2h07m53s
